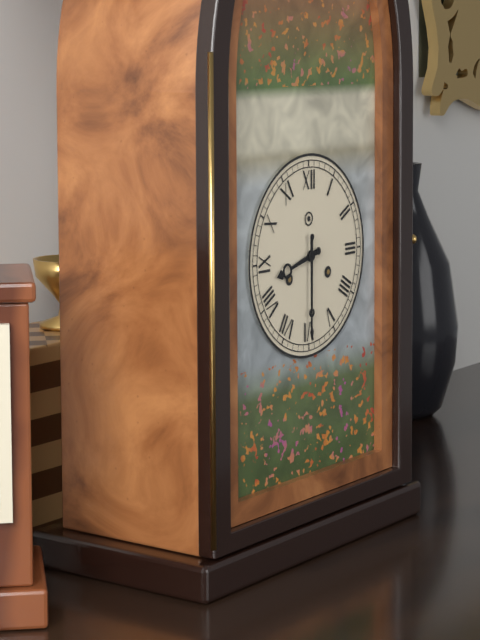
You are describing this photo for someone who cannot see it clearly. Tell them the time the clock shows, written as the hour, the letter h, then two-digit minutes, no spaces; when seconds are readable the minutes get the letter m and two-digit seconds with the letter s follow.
8h30
